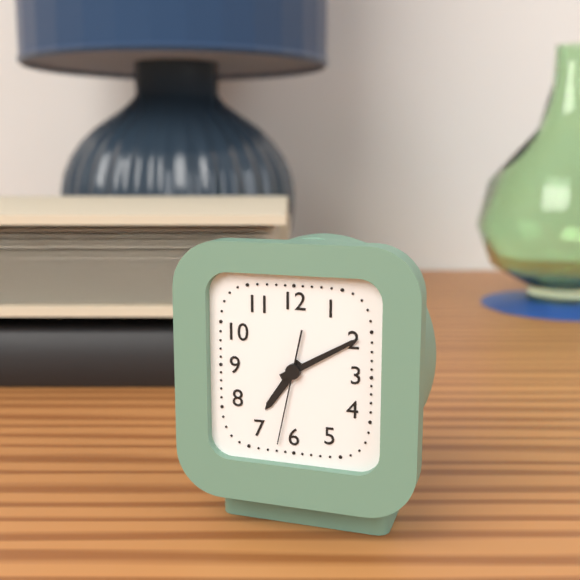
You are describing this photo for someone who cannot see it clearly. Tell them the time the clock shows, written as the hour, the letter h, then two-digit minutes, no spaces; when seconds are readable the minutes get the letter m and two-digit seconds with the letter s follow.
7h10m32s
